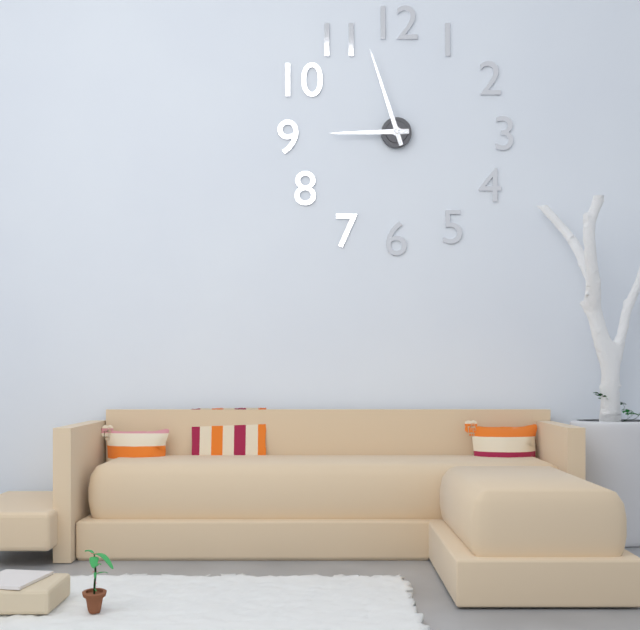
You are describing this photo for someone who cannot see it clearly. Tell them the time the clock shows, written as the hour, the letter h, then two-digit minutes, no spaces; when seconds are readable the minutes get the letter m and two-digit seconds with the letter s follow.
8h57
